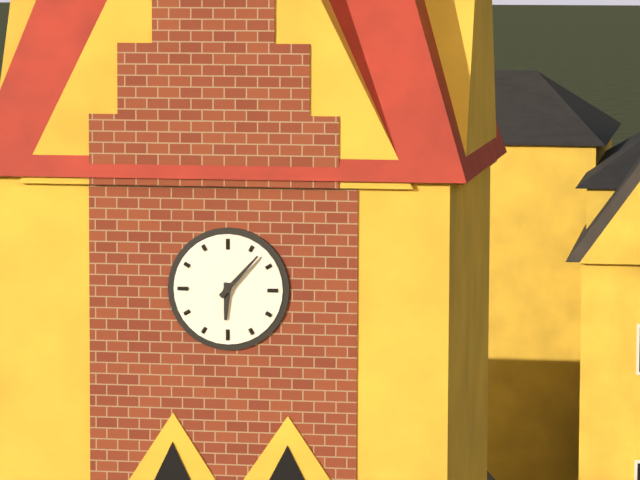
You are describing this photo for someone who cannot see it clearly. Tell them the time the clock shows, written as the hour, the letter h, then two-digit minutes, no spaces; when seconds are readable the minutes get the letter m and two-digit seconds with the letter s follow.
6h07
